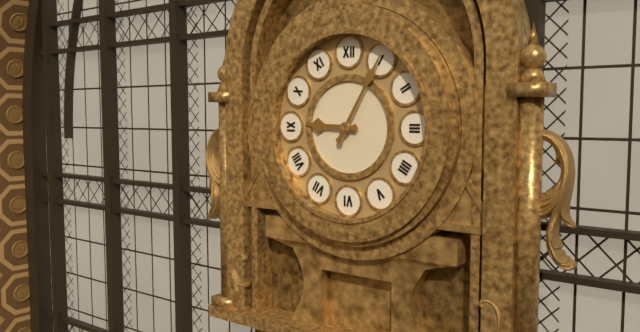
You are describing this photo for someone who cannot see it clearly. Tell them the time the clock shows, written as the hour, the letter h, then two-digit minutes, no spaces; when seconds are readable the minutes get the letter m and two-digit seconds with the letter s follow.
9h05
